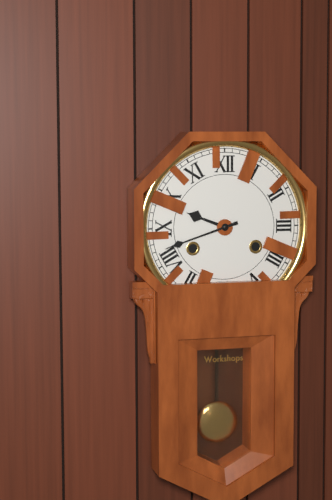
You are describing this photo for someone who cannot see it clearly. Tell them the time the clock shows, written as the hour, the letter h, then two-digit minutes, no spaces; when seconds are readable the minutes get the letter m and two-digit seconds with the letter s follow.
9h42
